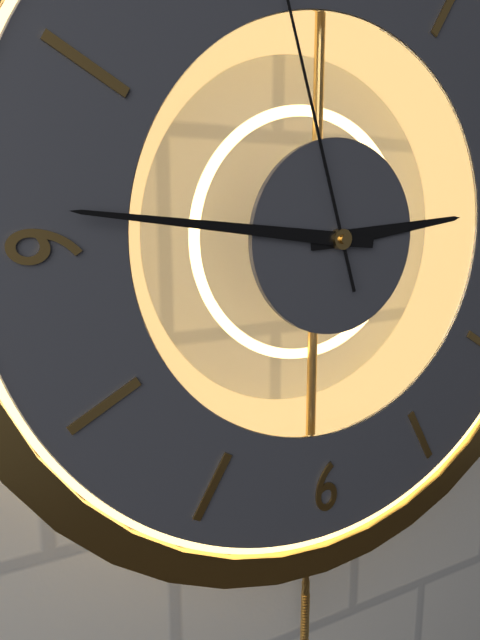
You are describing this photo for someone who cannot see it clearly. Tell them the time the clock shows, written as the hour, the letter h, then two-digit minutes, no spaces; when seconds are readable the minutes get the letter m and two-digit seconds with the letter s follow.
2h46
